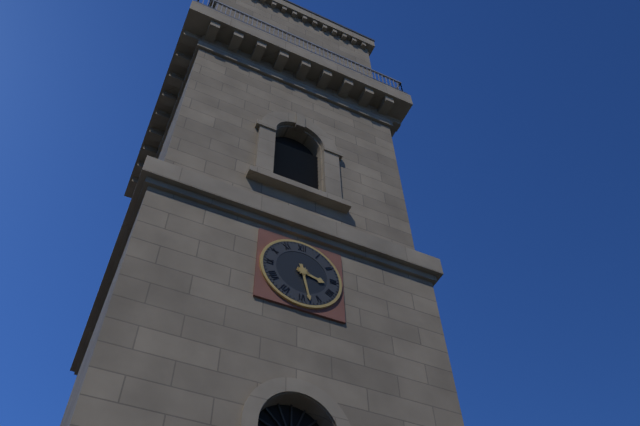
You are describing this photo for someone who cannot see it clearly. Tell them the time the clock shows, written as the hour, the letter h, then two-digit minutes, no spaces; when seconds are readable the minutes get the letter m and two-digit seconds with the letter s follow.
3h28
